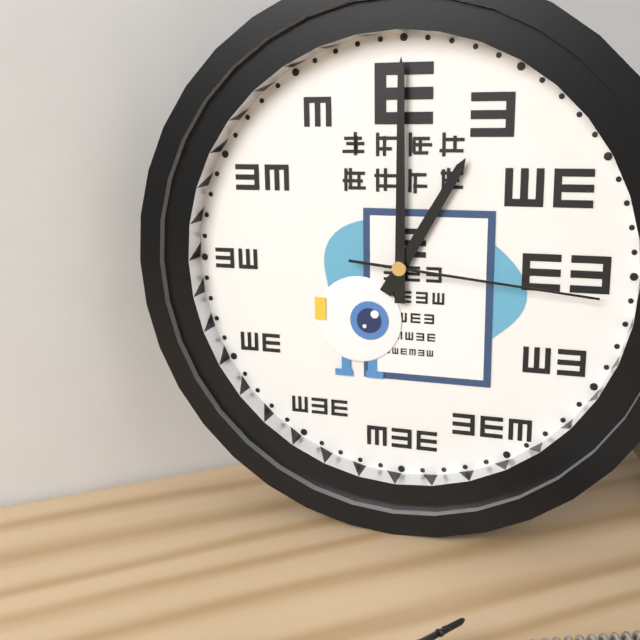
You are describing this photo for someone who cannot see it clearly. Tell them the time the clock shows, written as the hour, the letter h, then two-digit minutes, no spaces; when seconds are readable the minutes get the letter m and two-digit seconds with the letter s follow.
1h00m16s
